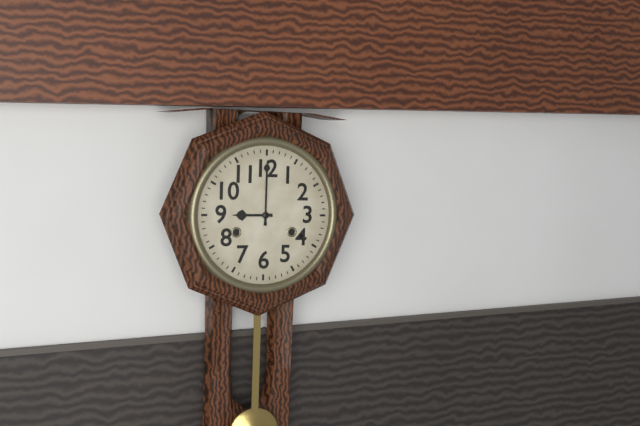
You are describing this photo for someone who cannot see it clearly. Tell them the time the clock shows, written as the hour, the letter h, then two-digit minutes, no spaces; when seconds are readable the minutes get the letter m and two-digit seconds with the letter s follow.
9h00
